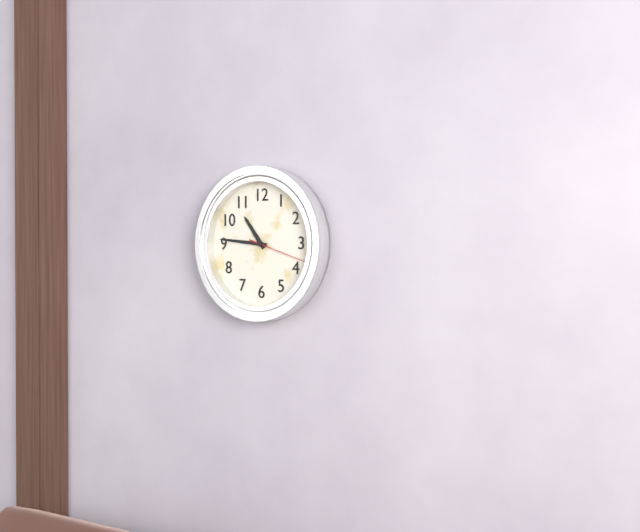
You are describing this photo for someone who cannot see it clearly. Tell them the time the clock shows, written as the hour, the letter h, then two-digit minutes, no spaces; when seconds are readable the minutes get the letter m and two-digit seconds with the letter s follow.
10h46m18s
